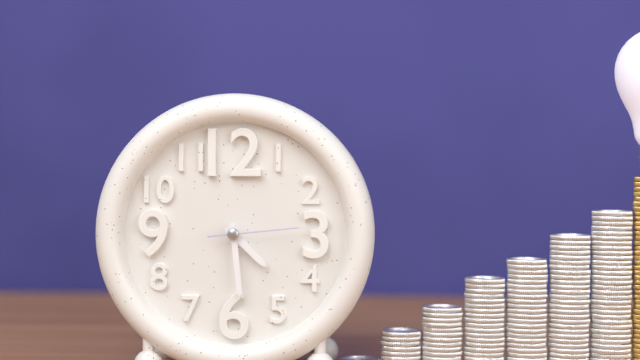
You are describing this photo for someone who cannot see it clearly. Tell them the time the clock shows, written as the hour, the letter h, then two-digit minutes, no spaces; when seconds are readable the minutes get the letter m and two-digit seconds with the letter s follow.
4h29m14s
